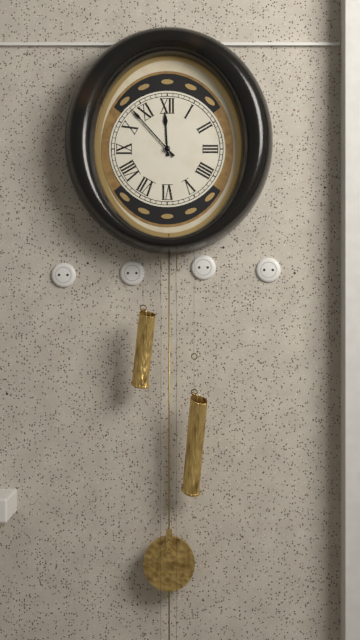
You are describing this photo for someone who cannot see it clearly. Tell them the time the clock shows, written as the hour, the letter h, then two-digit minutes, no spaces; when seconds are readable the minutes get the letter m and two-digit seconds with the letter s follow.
11h53
